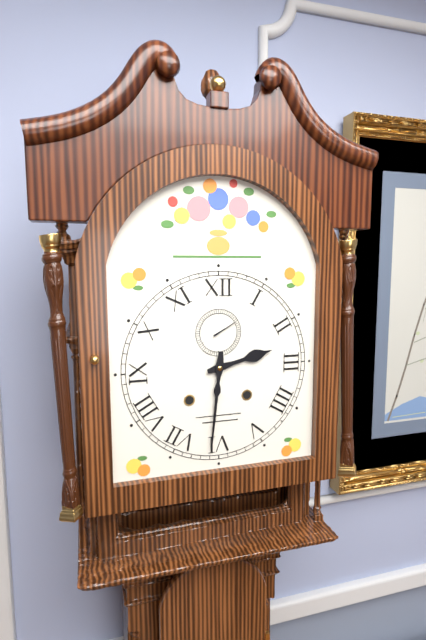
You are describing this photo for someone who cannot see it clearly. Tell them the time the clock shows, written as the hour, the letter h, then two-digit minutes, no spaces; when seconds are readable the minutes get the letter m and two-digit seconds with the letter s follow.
2h31
